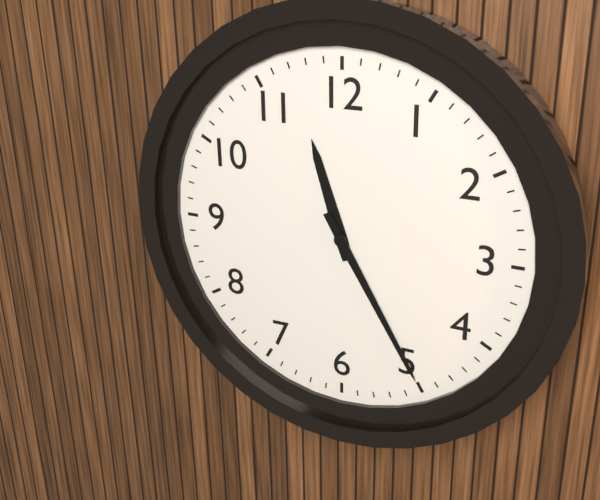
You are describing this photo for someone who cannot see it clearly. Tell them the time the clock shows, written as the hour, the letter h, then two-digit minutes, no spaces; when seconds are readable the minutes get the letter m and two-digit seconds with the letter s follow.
11h25
